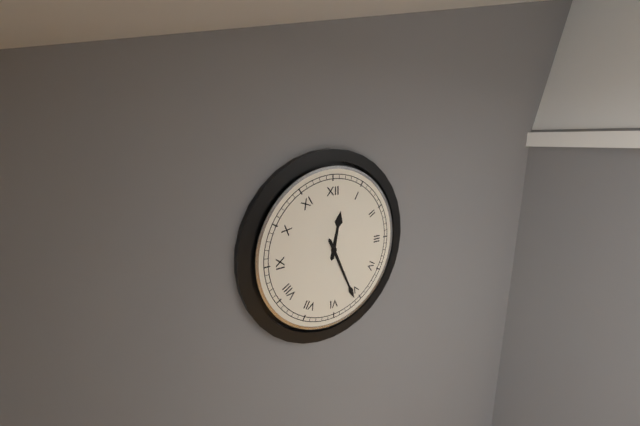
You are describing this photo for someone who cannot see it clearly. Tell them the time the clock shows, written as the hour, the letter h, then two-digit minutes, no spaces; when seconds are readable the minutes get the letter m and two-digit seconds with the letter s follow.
12h26
